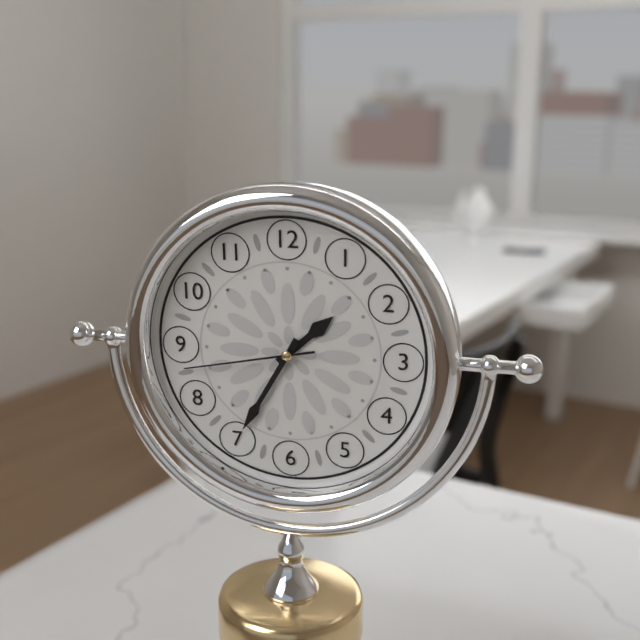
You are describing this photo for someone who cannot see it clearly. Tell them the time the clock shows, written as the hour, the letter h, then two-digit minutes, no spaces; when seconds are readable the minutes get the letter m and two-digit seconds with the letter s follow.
1h35m43s
